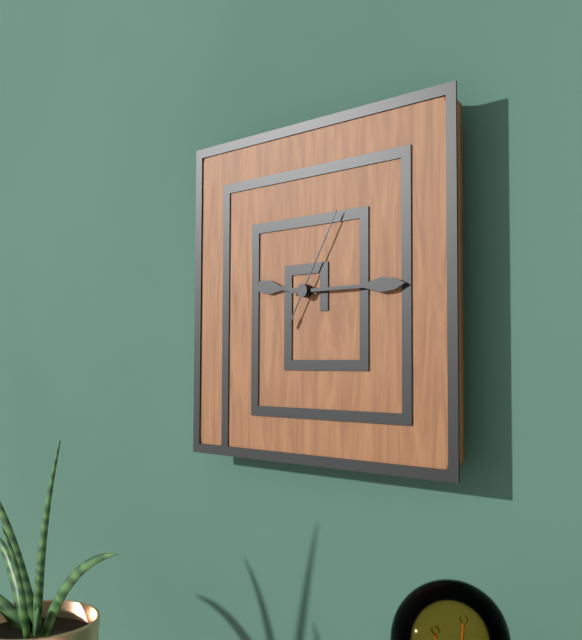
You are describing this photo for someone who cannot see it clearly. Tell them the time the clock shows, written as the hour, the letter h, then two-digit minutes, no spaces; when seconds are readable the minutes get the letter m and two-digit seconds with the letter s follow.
9h15m05s
